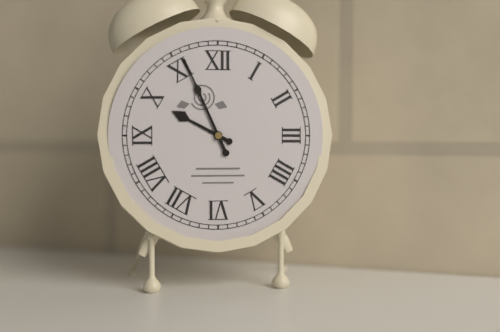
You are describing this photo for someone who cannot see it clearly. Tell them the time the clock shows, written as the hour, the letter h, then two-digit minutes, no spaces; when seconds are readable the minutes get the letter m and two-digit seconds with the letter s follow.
9h56
